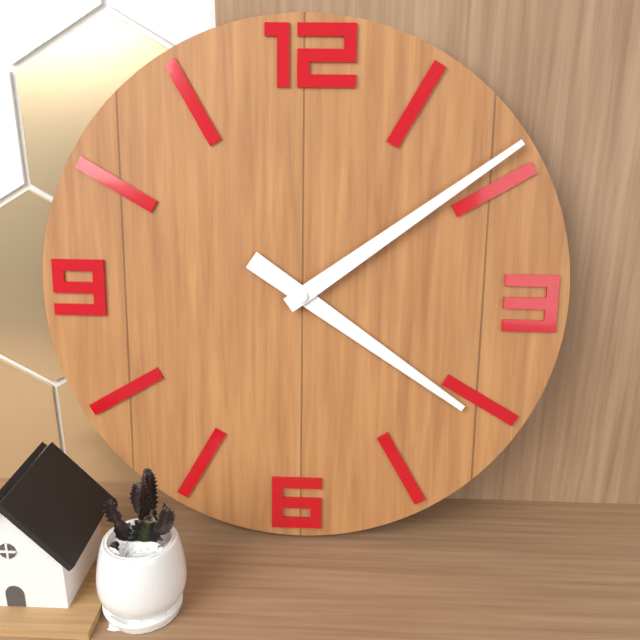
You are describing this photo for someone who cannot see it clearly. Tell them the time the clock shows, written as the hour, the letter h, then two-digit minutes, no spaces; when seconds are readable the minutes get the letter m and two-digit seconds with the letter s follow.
4h09
